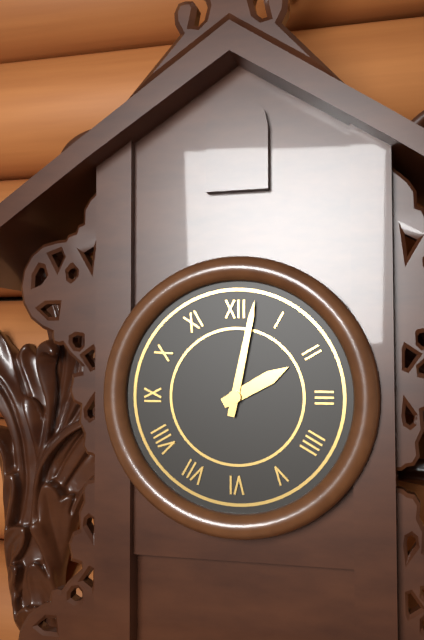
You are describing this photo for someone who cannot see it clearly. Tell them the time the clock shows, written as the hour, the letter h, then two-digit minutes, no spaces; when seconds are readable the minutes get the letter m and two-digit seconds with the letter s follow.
2h02
